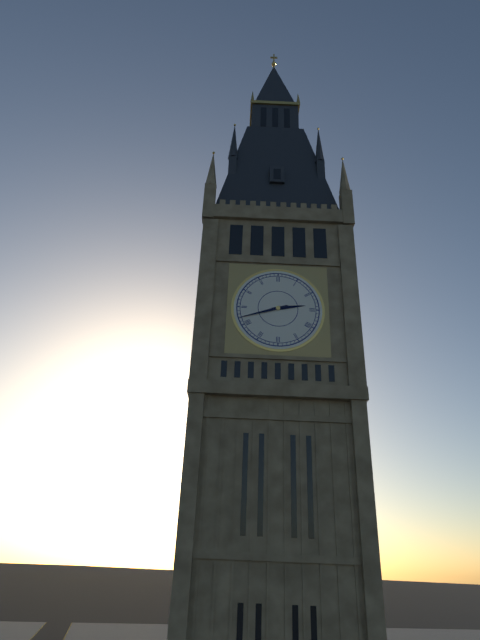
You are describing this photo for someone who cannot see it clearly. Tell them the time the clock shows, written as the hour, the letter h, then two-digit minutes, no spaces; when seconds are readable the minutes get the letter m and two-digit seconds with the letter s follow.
2h42
